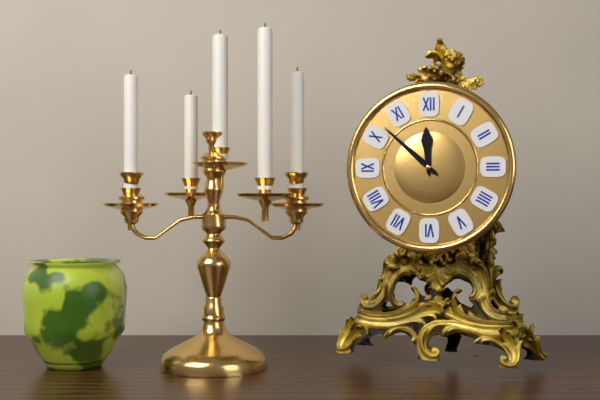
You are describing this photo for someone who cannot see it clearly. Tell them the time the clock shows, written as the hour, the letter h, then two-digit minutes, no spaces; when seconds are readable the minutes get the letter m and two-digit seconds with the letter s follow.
11h52
